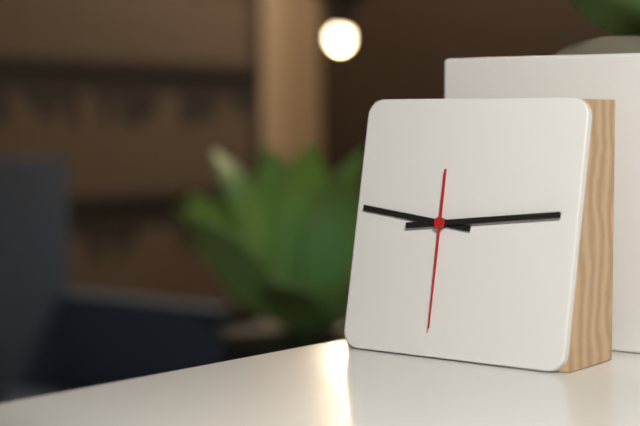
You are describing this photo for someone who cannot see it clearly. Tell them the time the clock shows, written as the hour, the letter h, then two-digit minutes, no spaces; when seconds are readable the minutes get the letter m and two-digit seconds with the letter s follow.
9h14m30s
